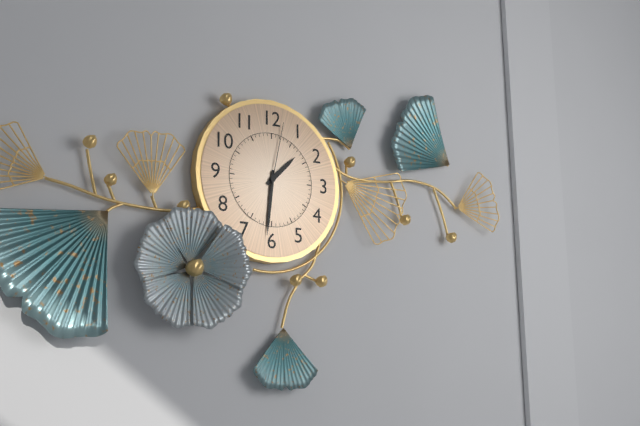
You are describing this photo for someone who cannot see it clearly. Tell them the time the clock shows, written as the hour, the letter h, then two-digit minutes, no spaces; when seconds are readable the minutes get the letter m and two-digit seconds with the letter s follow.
1h31m02s
